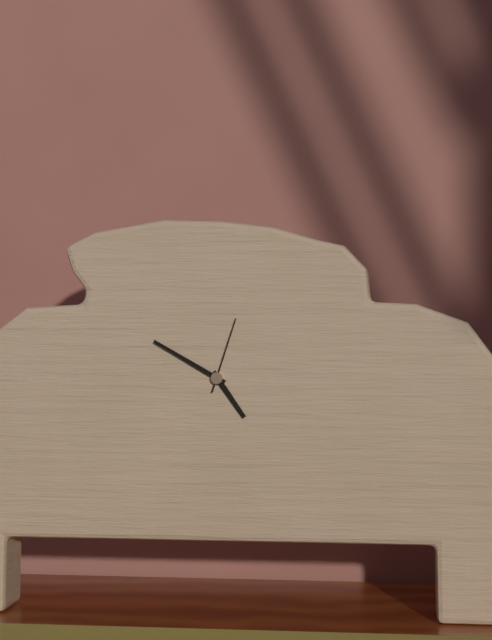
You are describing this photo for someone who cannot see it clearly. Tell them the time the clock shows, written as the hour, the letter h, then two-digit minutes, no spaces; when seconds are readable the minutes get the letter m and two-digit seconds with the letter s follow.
4h50m03s
